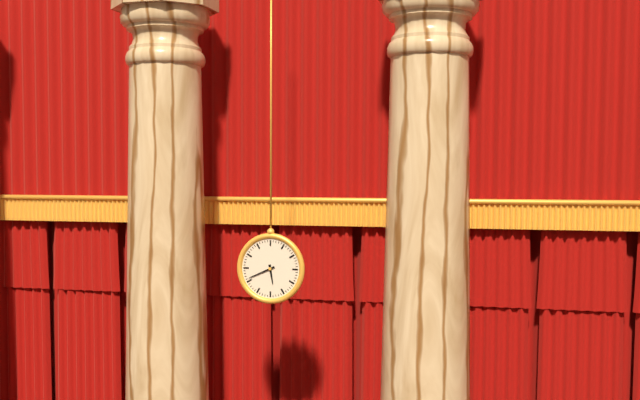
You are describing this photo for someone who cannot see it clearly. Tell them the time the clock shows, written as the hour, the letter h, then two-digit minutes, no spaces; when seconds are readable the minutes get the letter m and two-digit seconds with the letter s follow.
5h41
